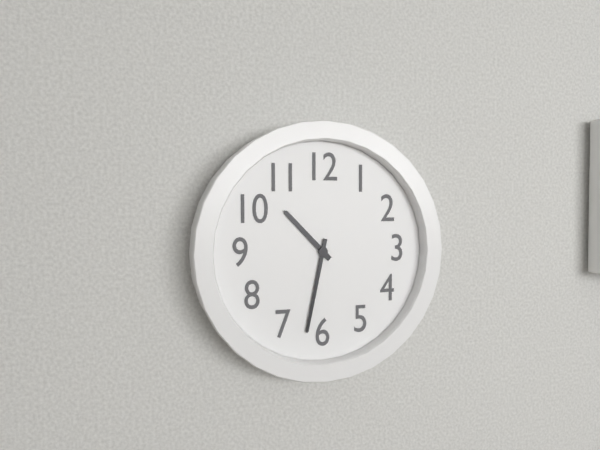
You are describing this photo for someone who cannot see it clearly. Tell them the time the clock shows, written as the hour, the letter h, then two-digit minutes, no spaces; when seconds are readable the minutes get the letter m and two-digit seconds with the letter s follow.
10h32
